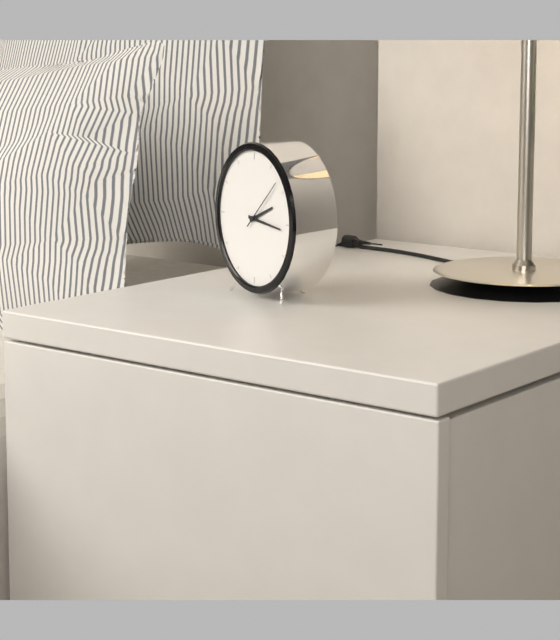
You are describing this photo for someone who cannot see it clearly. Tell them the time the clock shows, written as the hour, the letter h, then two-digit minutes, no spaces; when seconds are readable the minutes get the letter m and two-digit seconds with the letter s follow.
2h16m08s
